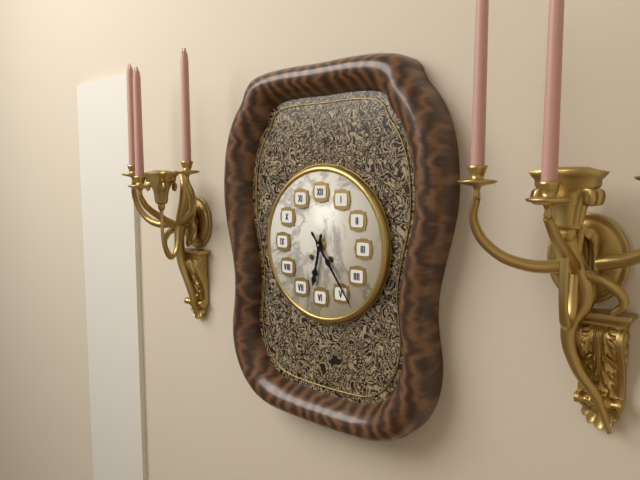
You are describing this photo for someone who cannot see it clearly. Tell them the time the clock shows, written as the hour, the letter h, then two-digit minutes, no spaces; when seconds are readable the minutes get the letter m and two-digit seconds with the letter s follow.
6h24
